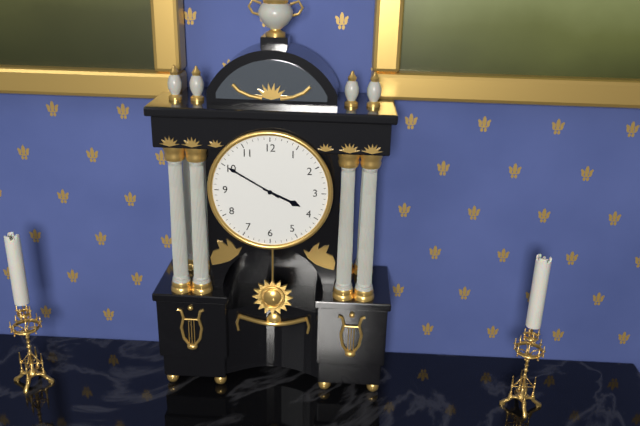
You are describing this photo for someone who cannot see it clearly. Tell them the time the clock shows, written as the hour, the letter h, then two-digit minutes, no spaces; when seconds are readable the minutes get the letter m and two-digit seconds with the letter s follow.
3h50
